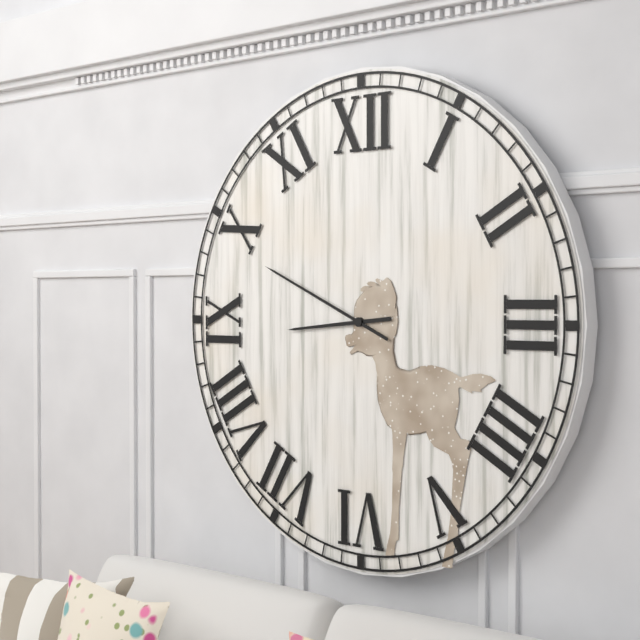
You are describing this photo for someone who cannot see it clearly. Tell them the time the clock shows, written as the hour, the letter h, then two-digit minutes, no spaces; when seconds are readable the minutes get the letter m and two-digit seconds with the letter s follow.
8h49
